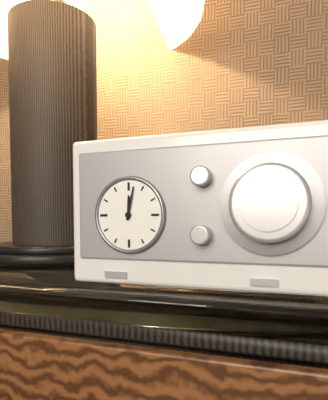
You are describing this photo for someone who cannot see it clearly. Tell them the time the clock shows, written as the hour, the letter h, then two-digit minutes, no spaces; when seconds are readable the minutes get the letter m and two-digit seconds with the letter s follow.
12h02
